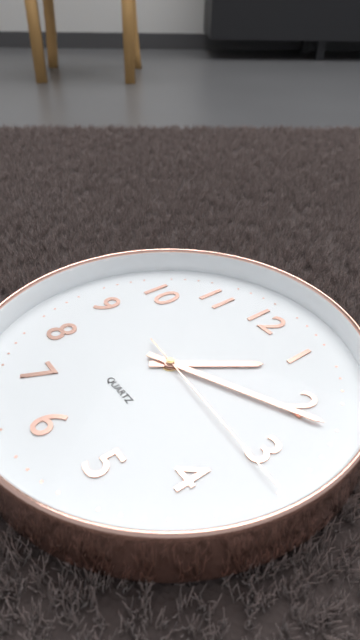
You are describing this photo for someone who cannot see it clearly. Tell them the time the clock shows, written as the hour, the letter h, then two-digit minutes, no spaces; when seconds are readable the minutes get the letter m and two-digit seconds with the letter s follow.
1h11m16s
